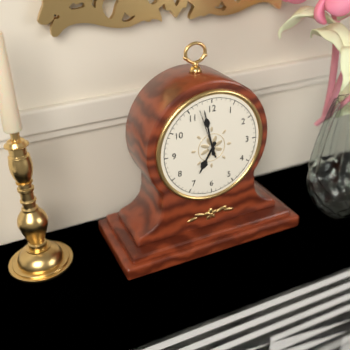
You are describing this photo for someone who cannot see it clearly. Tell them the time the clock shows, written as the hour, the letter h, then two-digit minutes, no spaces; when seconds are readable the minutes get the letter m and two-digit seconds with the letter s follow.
6h58m57s
